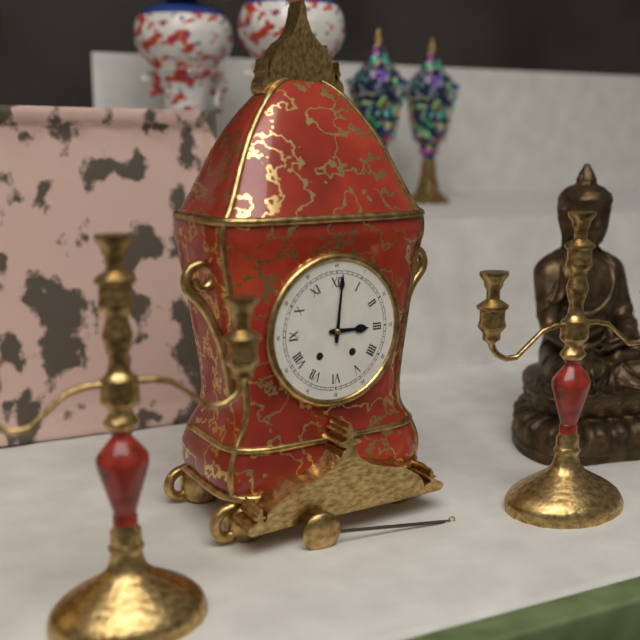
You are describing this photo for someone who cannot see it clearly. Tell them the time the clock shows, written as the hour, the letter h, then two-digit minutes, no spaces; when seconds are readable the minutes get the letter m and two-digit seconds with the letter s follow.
3h01
